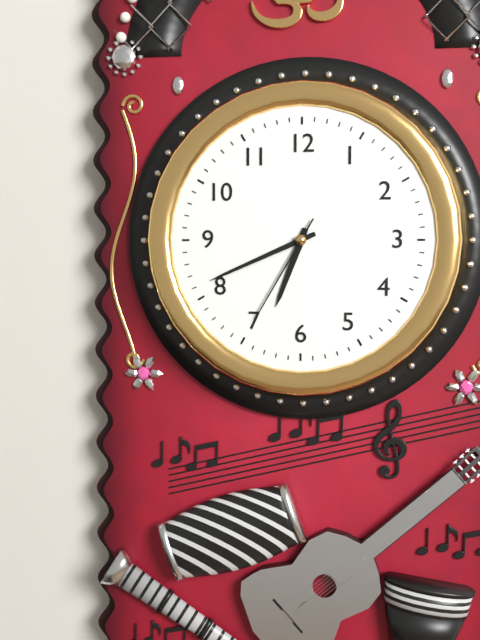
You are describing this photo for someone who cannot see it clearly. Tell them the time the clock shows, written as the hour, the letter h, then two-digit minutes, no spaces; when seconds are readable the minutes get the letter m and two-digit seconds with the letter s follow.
6h41m35s
